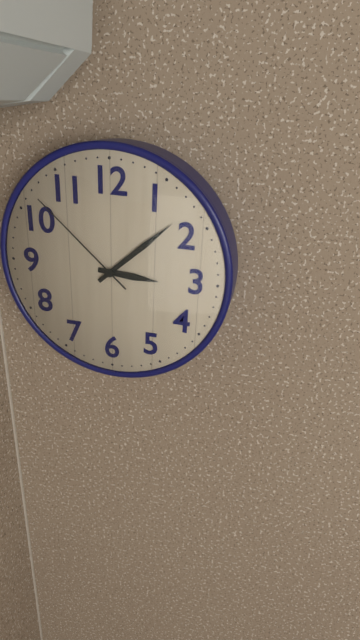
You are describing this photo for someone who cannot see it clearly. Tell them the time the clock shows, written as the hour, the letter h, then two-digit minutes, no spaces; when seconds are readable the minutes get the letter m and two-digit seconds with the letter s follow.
3h08m52s
